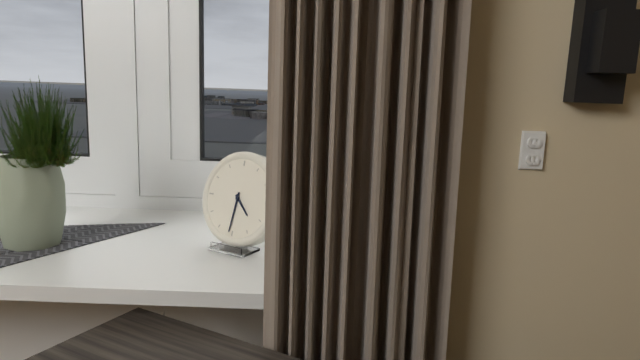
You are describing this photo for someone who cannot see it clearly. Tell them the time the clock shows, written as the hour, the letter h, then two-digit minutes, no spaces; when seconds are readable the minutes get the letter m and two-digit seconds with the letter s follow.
4h31
